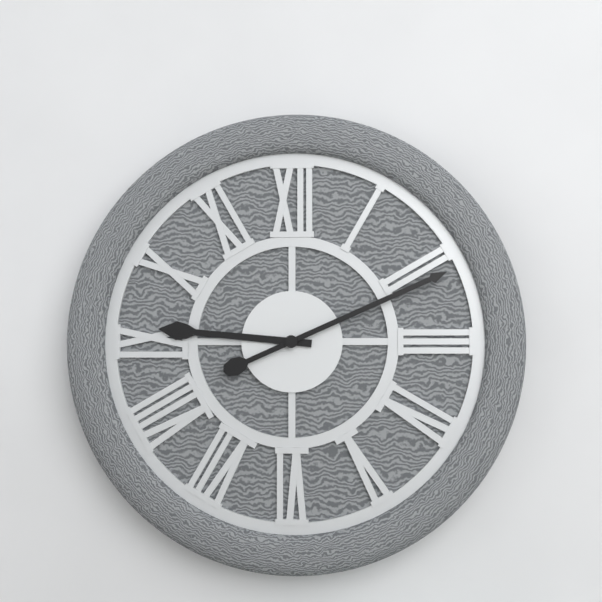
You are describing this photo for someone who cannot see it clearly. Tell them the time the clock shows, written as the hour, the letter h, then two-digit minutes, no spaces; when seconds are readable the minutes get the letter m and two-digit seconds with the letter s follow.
9h11
